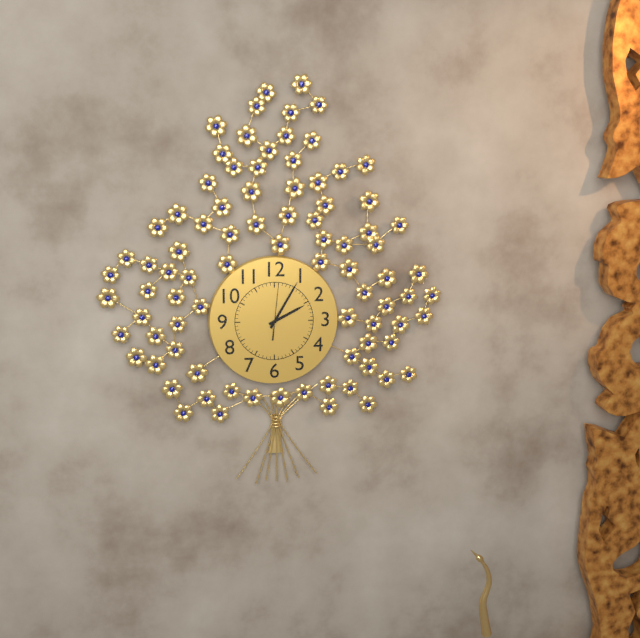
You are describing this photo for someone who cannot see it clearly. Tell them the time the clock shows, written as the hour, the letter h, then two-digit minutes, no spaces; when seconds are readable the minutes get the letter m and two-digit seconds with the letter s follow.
2h05
